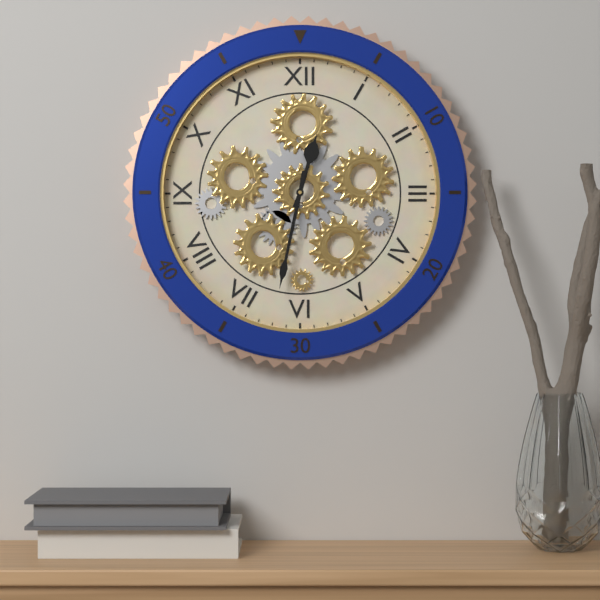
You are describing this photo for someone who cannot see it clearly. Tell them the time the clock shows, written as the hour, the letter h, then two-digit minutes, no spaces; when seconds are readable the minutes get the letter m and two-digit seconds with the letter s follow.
12h32
